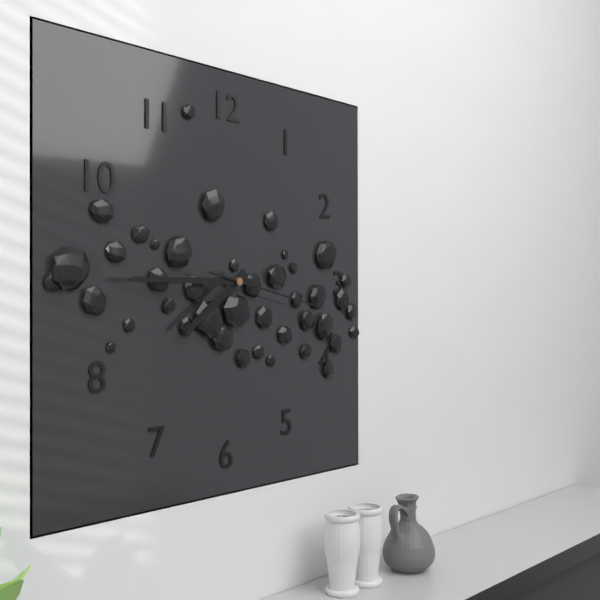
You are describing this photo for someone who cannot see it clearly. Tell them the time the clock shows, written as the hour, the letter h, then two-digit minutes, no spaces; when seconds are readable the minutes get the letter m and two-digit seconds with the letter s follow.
7h45m17s
